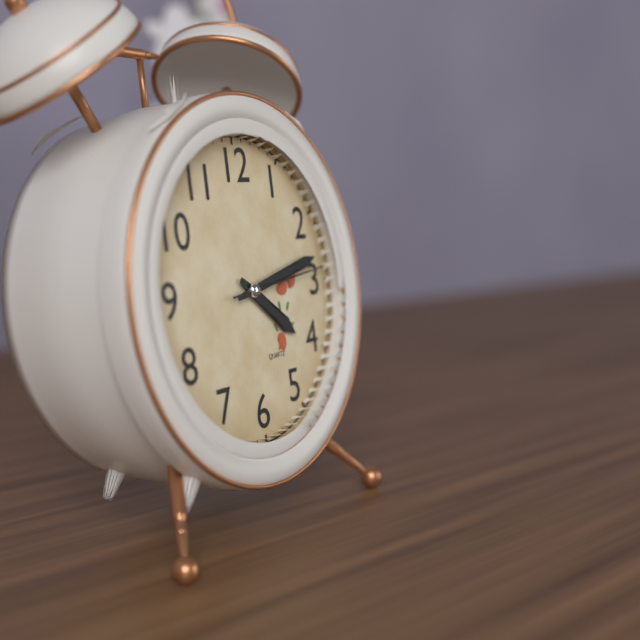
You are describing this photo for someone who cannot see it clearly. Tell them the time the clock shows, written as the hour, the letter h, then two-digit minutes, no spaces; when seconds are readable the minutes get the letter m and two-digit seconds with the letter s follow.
4h13m14s
